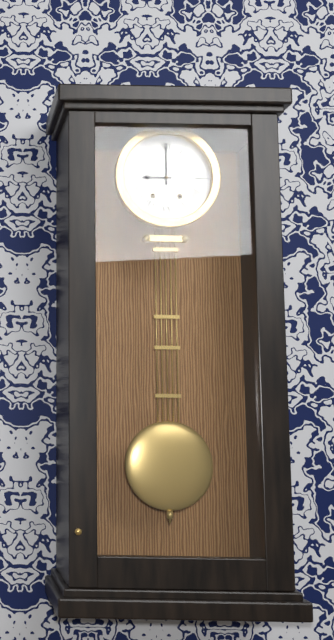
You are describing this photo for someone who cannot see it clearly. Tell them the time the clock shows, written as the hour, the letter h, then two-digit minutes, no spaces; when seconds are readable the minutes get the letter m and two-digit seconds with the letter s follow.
9h00
